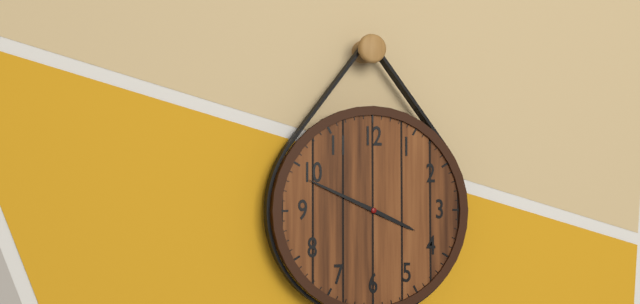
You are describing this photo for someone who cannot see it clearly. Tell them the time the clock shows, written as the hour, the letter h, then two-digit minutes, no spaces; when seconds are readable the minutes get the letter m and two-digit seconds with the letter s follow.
3h49
